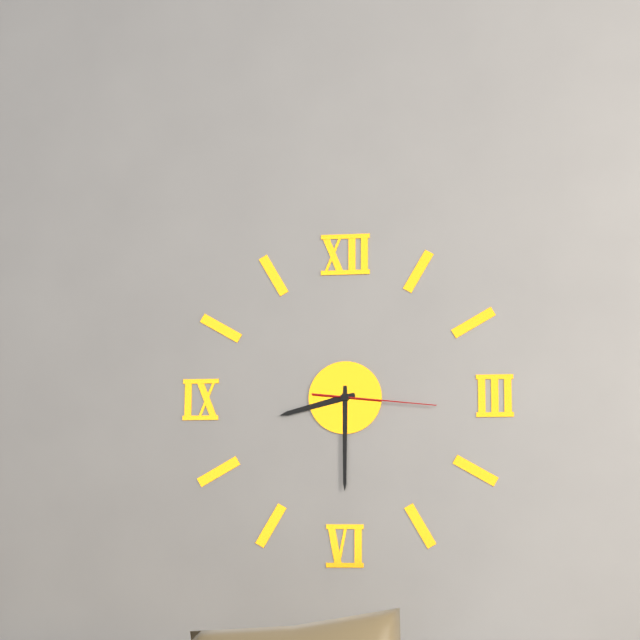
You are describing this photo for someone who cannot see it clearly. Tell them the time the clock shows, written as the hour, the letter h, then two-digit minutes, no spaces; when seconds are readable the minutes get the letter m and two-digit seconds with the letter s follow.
8h30m16s
